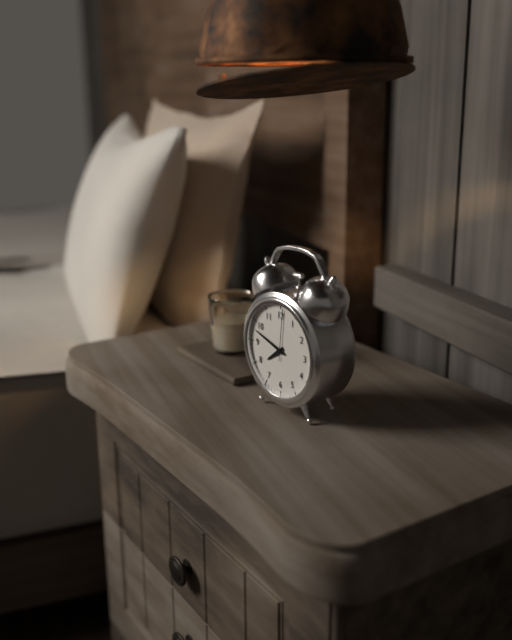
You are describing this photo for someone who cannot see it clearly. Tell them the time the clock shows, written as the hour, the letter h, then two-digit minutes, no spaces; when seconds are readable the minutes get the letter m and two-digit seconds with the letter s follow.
7h48m01s
